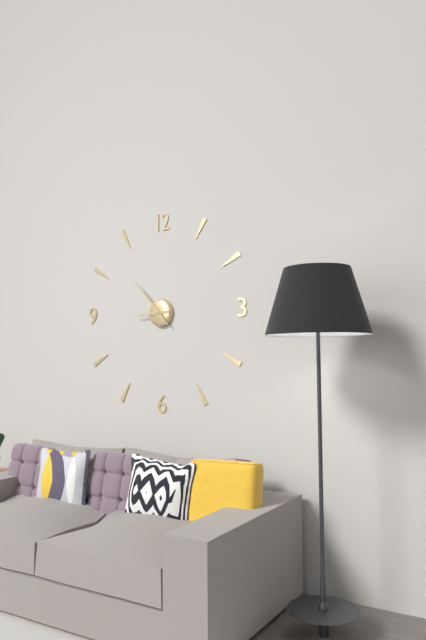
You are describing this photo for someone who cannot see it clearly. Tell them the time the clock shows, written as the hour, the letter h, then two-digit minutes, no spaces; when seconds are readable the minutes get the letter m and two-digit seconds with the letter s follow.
8h53
